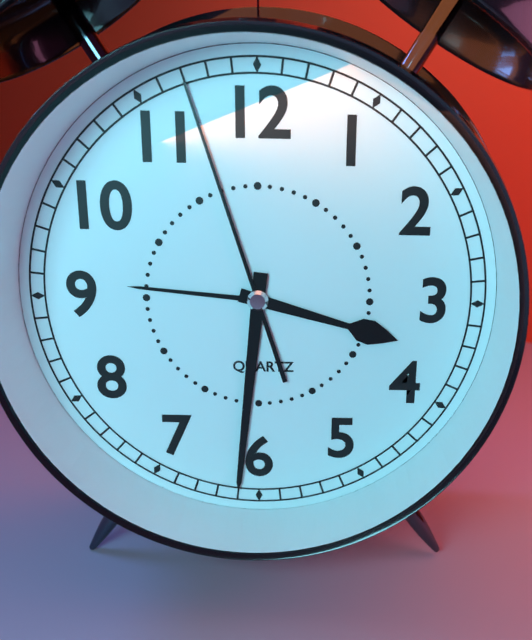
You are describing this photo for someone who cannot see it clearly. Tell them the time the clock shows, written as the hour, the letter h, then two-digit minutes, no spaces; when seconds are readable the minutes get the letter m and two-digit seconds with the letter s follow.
3h31m57s
